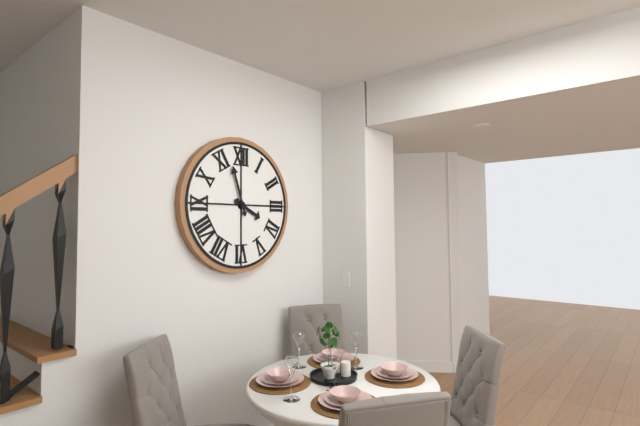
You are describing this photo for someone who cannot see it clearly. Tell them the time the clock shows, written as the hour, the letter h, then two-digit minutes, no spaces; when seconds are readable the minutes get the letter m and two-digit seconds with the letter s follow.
3h57
